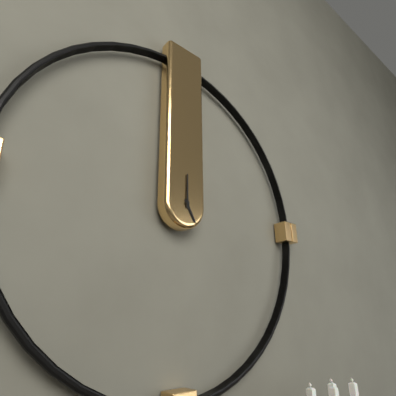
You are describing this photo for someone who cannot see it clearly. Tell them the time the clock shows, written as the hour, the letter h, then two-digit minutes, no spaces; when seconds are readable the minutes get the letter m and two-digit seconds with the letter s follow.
5h00
